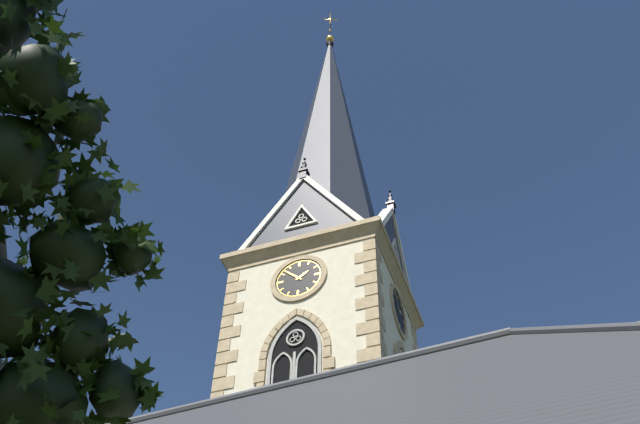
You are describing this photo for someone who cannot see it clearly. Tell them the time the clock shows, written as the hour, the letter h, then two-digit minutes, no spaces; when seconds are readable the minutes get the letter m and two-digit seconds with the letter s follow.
1h52
